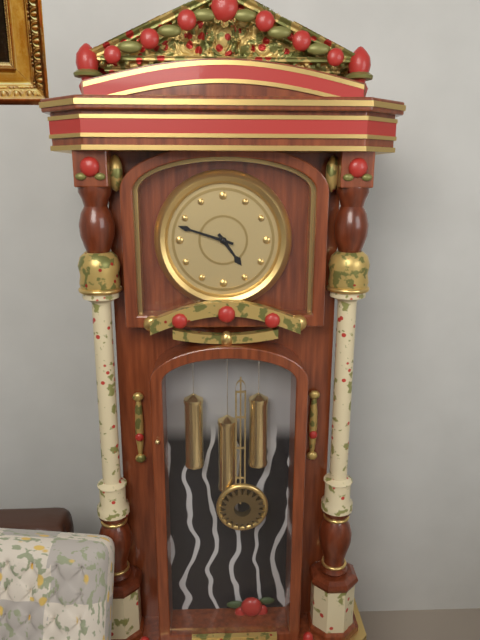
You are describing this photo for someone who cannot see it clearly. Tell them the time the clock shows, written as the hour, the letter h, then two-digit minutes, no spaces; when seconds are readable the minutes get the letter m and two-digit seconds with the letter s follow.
4h48
